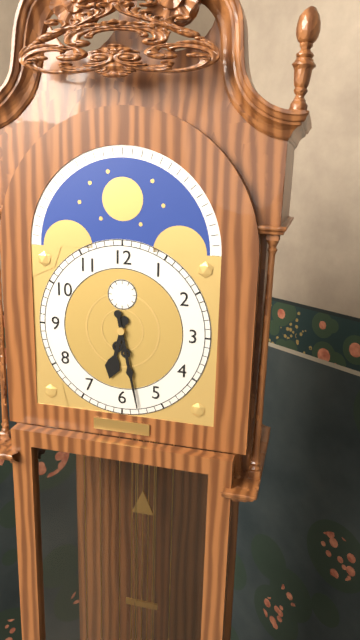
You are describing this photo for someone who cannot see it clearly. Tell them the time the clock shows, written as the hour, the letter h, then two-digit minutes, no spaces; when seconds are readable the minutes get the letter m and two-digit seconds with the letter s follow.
6h28
